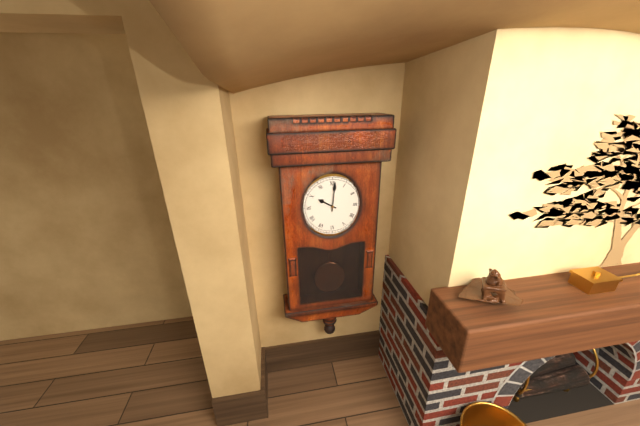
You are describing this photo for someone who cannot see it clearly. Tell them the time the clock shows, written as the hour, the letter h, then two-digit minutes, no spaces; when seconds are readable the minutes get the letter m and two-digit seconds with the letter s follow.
10h01
